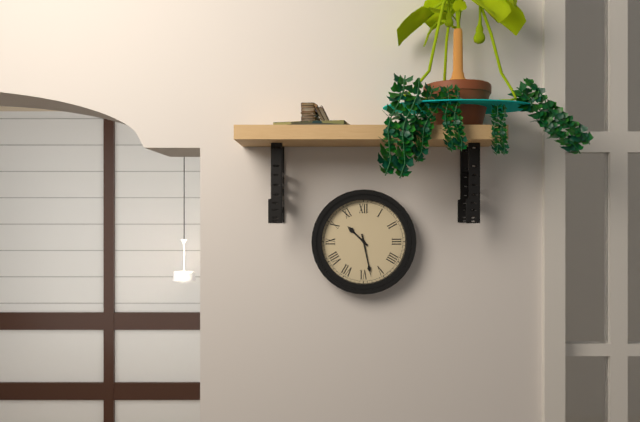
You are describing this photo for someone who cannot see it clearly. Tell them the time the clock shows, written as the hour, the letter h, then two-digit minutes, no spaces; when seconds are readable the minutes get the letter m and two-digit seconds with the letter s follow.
10h28
